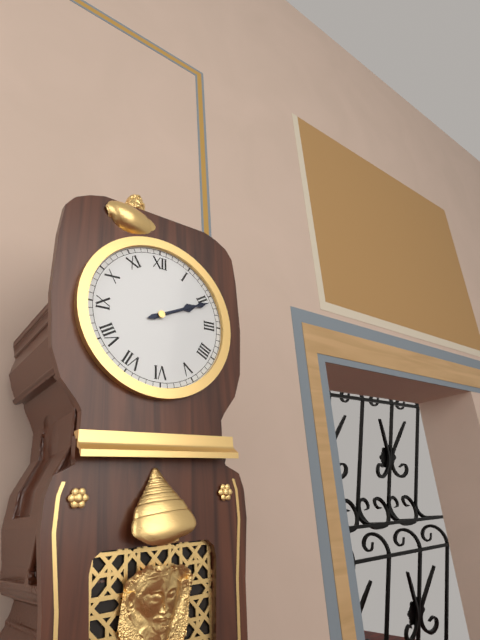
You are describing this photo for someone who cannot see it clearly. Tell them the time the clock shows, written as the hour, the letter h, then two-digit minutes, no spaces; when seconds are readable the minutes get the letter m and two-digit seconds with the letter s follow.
2h11
